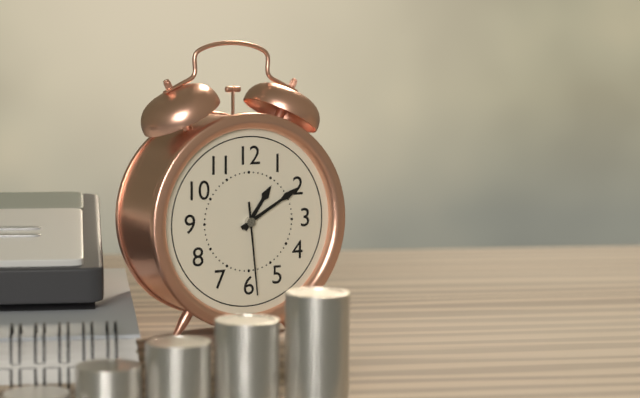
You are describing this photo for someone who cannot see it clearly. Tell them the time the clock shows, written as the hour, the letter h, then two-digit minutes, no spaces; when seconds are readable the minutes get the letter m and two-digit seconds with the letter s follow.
1h10m29s
